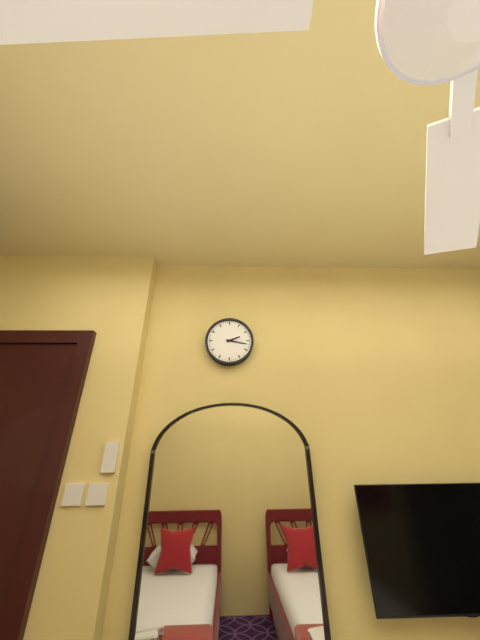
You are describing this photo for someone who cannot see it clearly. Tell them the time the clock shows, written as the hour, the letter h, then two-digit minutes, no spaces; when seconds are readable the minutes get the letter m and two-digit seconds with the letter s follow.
2h17
